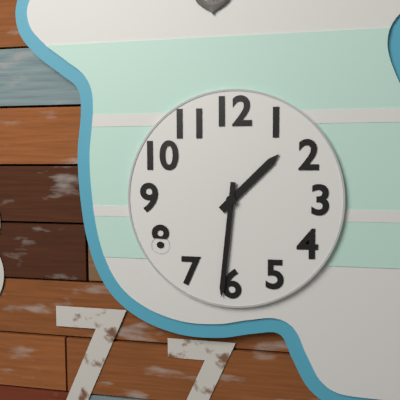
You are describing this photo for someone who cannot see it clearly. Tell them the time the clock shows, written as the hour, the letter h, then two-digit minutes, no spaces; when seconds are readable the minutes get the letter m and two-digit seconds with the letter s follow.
1h31
